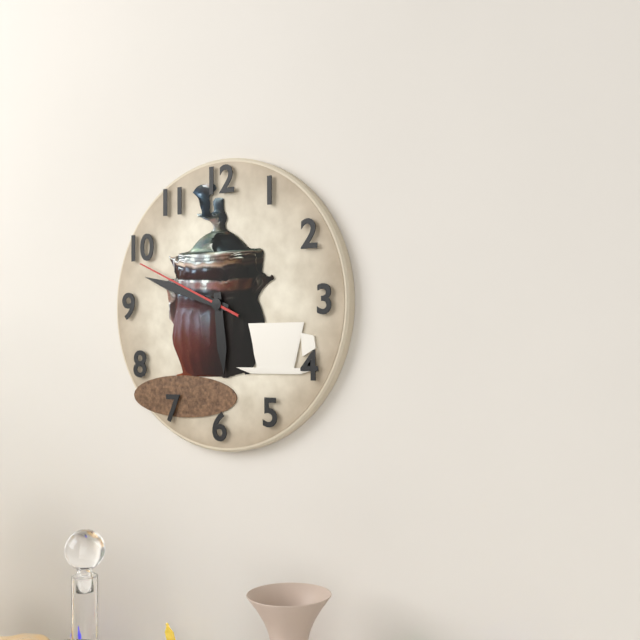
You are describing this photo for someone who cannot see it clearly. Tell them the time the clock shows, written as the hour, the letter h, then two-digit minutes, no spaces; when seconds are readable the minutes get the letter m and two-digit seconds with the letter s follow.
5h48m49s
